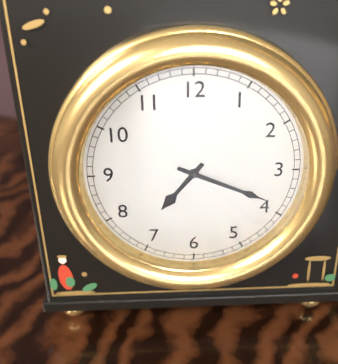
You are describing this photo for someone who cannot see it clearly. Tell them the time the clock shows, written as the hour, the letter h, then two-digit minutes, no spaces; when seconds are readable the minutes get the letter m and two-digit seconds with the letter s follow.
7h19
